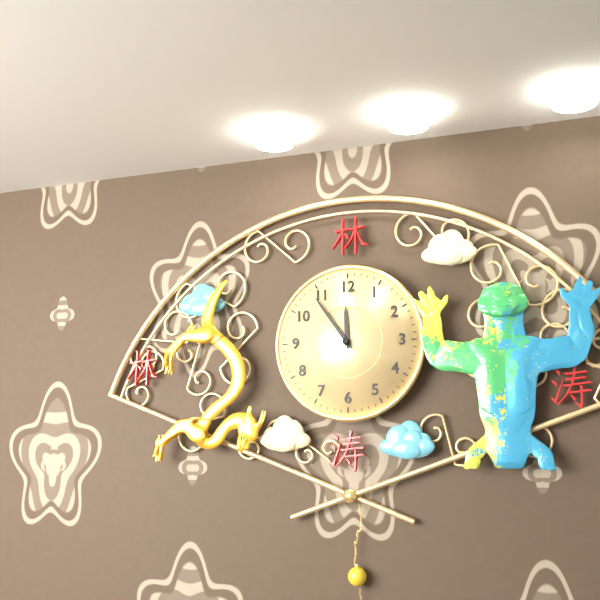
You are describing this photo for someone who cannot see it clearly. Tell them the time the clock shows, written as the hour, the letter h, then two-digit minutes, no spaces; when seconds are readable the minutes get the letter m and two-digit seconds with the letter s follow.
11h54
